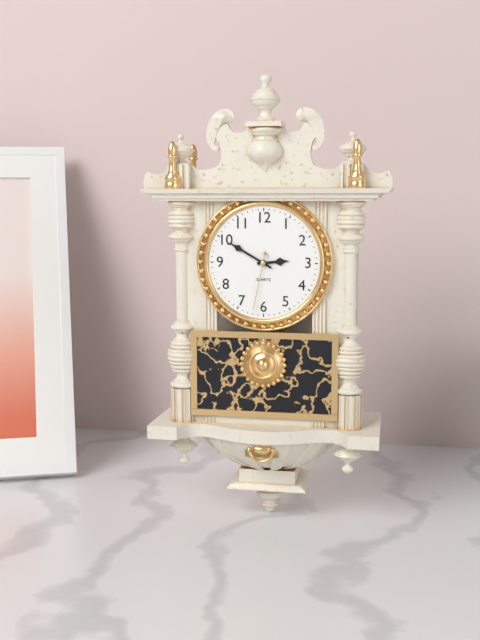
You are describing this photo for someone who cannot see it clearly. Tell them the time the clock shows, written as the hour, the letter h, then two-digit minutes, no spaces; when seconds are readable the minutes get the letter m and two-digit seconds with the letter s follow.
2h50m32s
